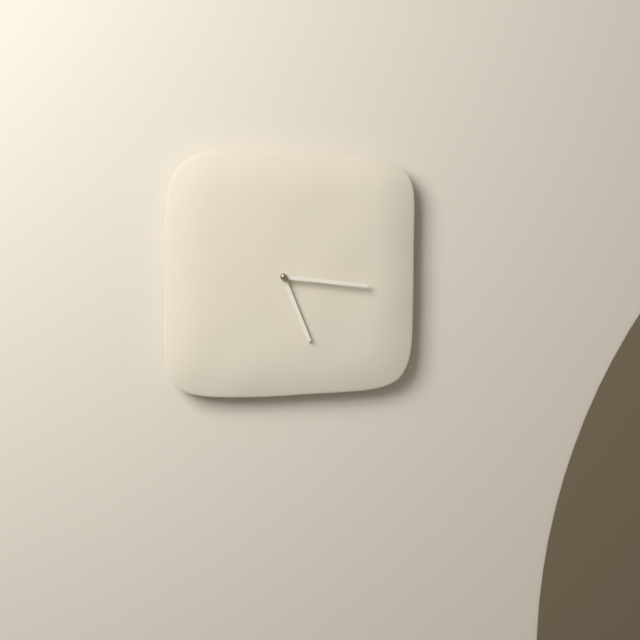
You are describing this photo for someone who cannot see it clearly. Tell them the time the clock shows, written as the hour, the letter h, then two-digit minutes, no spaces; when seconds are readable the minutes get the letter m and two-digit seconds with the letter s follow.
5h16
